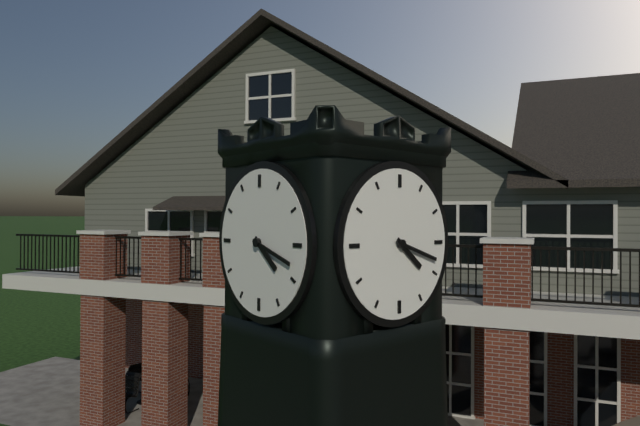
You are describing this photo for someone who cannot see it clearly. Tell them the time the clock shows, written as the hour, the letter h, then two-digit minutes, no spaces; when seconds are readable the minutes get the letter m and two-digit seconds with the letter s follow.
4h18
